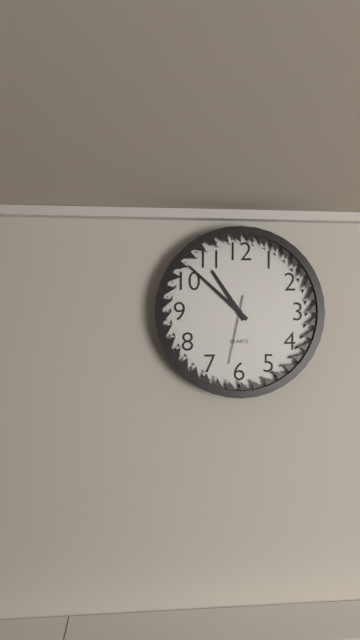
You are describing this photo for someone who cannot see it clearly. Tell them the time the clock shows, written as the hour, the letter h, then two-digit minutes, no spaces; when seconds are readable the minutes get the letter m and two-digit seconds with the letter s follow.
10h52m32s
